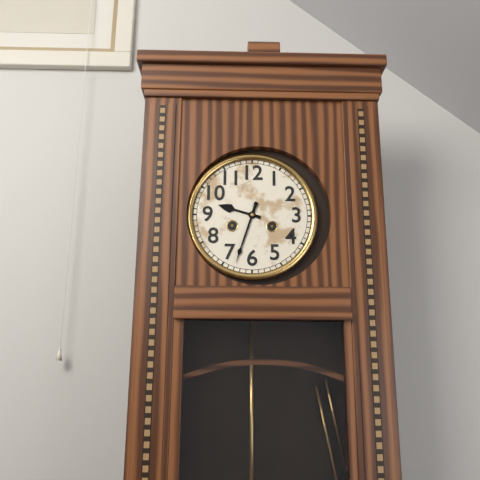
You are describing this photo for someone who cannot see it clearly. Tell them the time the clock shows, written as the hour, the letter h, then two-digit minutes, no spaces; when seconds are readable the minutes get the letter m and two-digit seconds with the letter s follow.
9h33
